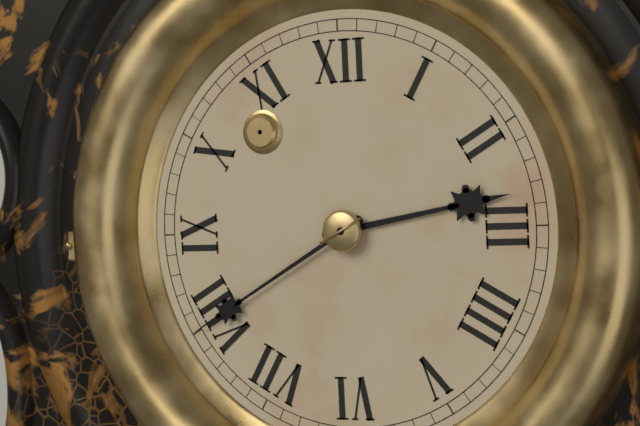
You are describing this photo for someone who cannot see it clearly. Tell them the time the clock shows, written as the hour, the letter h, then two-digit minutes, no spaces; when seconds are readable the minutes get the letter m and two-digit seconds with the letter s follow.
2h40
